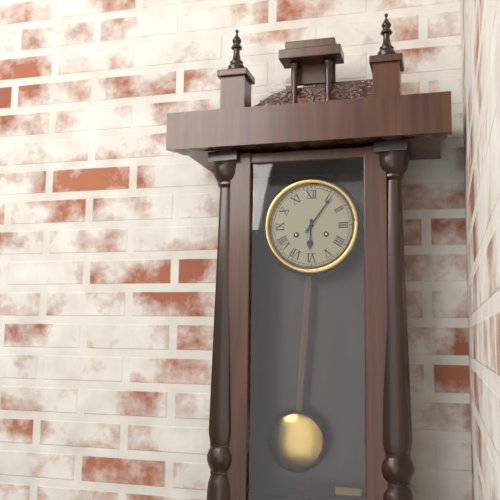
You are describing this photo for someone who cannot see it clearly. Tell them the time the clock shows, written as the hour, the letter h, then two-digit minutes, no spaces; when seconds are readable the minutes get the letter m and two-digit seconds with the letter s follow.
6h06
